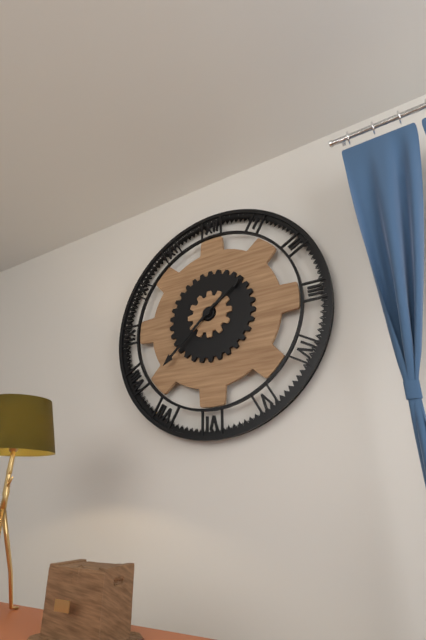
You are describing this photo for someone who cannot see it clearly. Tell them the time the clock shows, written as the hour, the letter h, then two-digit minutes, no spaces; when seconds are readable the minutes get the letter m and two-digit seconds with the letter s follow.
1h38
